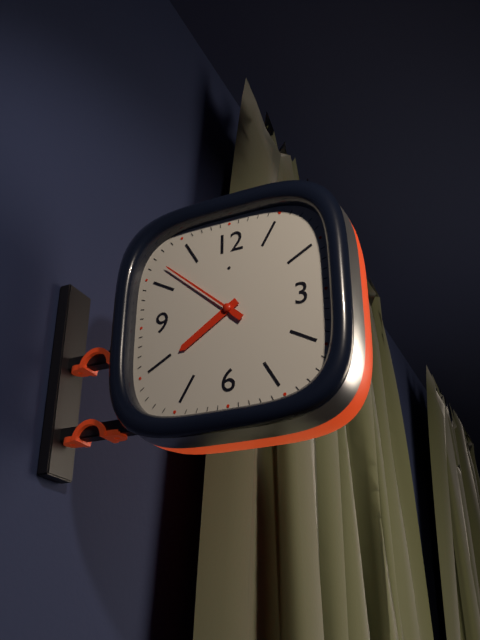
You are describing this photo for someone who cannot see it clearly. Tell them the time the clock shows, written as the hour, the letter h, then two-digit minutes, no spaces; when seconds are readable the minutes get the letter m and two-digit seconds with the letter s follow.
7h52
